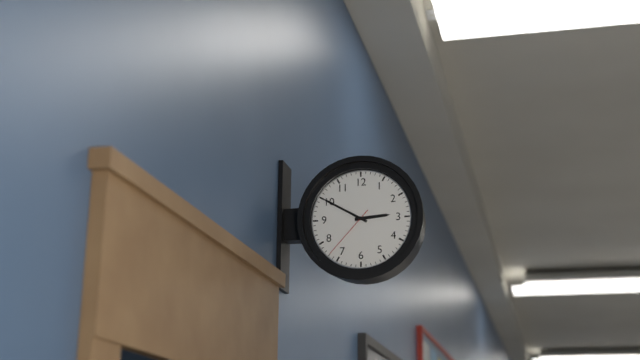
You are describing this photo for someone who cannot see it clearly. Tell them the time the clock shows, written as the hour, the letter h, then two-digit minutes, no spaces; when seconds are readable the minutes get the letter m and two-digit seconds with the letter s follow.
2h50m37s
